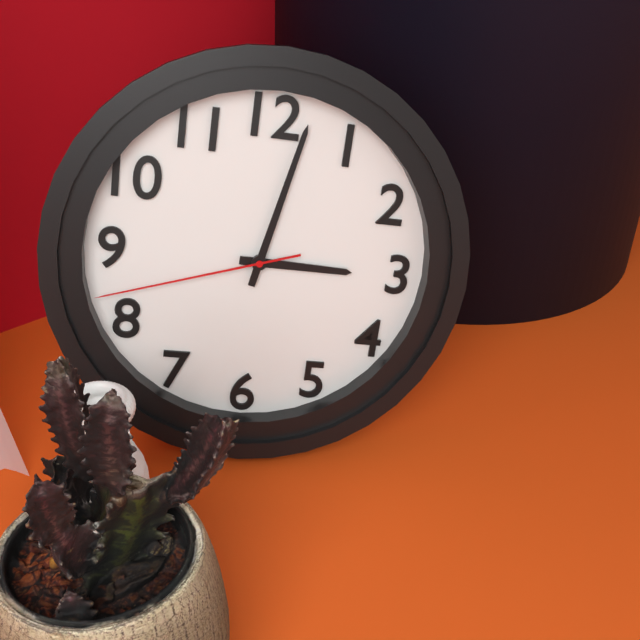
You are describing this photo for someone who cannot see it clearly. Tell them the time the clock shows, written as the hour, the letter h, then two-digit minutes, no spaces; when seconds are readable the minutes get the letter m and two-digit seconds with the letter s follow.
3h02m42s
